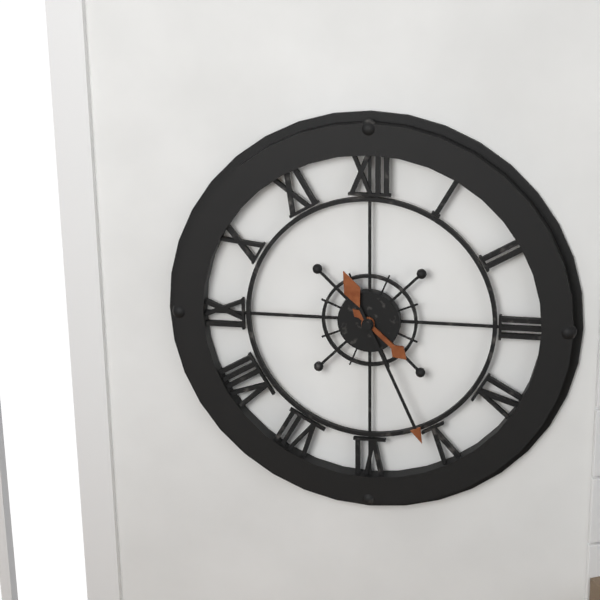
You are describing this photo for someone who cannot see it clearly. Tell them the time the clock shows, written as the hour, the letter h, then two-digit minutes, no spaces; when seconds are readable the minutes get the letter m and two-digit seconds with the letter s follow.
4h26
